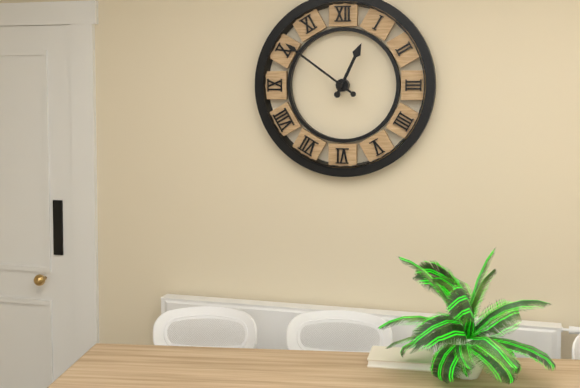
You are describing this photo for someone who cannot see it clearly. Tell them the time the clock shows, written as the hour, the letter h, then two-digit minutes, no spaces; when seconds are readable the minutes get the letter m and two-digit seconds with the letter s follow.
12h51
